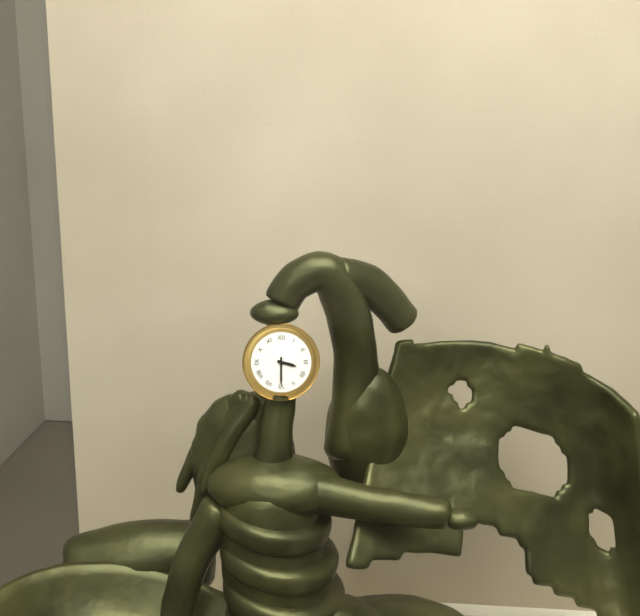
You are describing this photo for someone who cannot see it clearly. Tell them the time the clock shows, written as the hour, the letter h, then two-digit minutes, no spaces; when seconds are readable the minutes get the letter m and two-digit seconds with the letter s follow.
3h30
